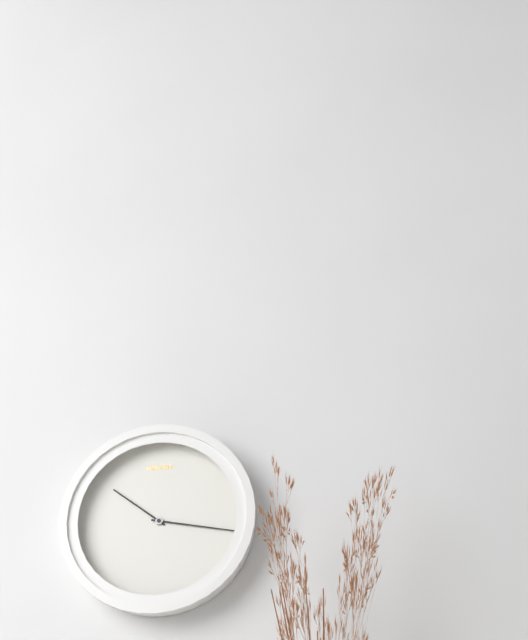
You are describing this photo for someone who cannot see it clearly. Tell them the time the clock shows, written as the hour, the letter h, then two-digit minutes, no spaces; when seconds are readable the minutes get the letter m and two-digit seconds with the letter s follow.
10h17
